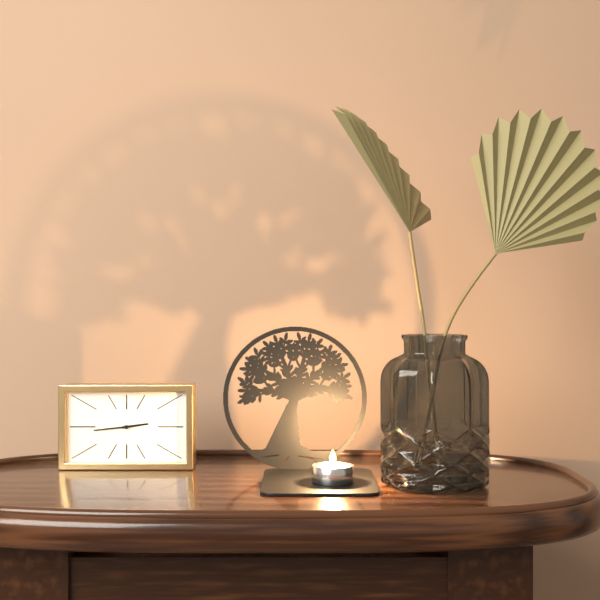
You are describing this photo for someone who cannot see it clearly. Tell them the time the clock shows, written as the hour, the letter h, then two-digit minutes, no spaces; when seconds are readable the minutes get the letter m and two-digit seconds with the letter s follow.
2h44
